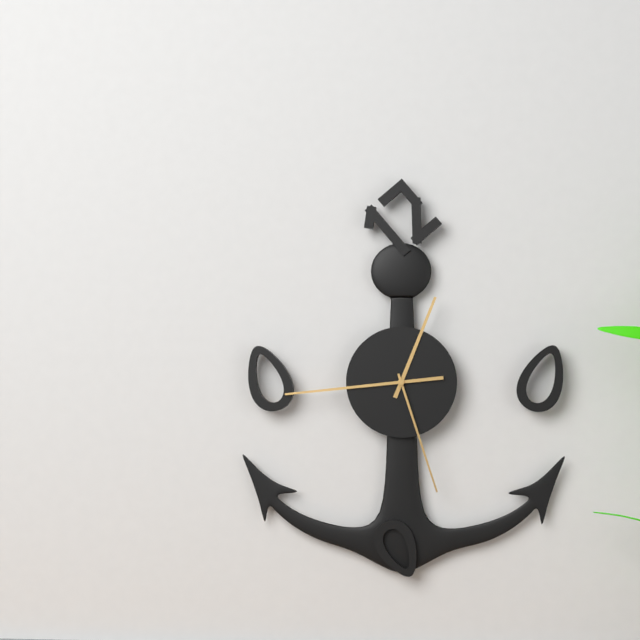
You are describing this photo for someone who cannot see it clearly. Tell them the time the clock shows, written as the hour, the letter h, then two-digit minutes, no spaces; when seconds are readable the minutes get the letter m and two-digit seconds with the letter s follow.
12h44m27s
